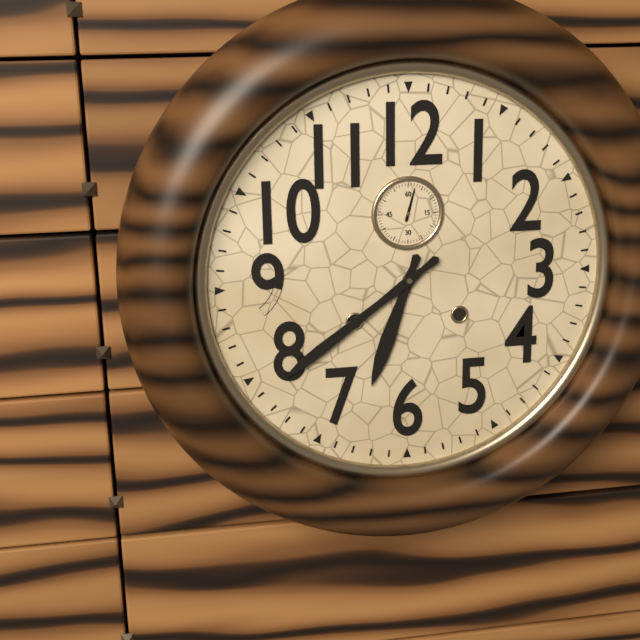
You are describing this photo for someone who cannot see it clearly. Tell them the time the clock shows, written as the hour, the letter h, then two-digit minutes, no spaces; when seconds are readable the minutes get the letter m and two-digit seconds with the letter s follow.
6h39
